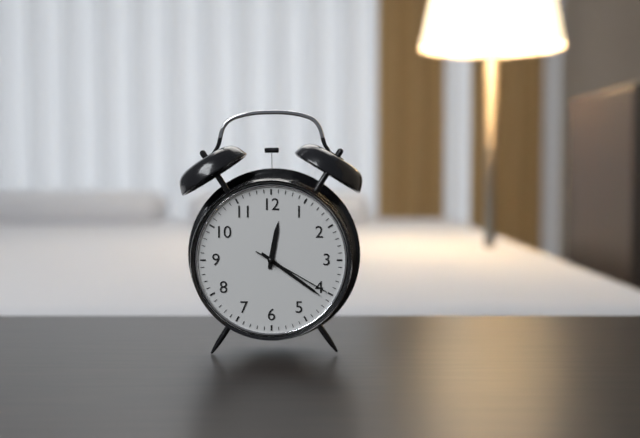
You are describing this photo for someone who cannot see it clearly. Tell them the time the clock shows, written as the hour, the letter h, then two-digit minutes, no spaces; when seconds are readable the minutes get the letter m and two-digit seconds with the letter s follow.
12h21m20s
